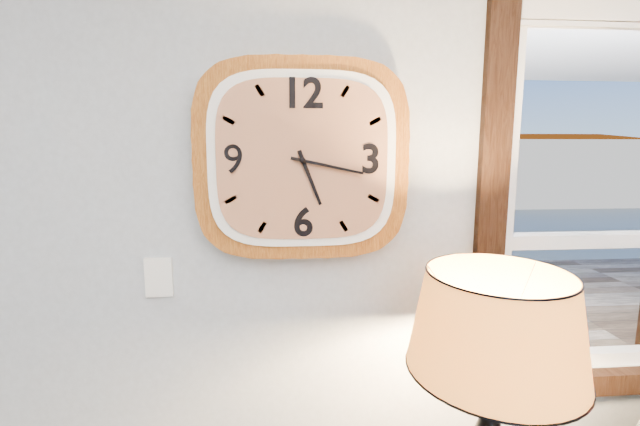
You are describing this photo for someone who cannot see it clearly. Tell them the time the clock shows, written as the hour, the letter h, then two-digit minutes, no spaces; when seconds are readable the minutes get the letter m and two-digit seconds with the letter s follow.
5h17
